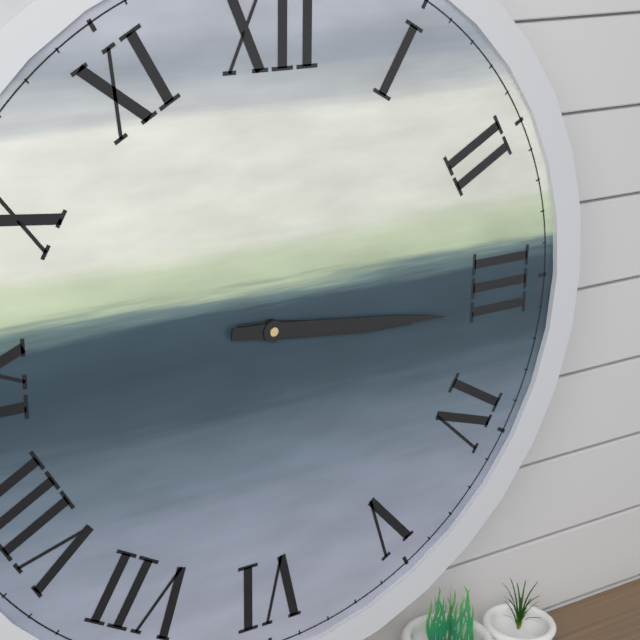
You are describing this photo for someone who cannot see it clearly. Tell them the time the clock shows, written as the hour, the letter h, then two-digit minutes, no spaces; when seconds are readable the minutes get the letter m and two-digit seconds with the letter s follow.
3h16
